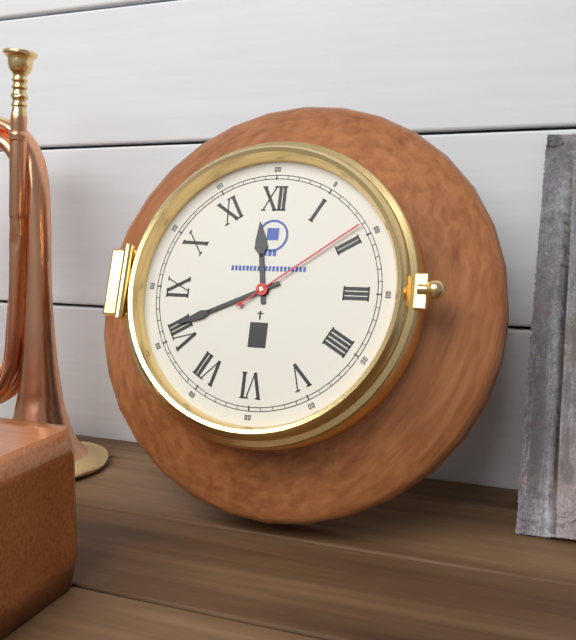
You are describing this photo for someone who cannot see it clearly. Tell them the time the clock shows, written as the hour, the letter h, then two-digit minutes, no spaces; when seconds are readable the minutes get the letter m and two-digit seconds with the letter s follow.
11h41m09s
